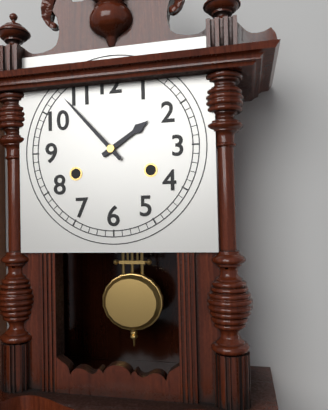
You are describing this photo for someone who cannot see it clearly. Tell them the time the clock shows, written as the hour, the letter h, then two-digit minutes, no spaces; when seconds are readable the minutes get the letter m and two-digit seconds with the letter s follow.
1h53
